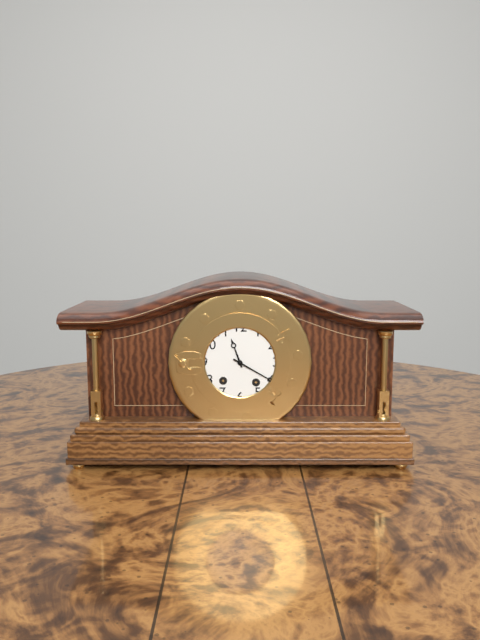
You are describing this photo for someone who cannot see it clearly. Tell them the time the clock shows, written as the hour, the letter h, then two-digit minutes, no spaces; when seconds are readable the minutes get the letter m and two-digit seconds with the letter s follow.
11h20
